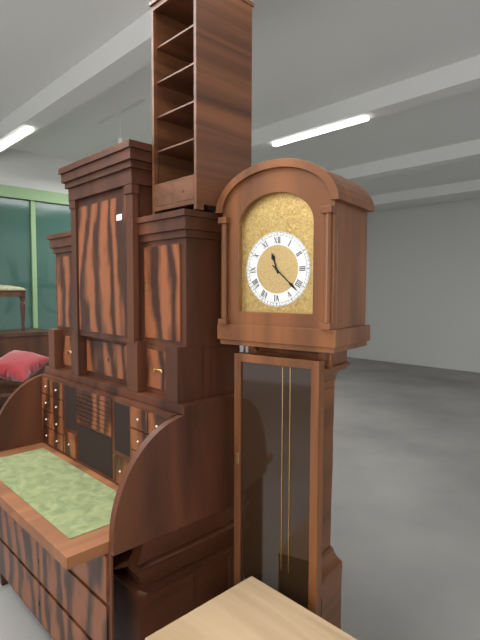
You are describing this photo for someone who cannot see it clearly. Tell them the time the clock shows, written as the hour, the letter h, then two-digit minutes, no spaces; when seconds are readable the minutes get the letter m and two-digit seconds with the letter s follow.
11h22
